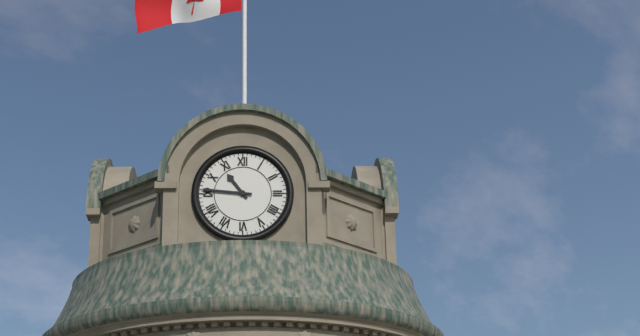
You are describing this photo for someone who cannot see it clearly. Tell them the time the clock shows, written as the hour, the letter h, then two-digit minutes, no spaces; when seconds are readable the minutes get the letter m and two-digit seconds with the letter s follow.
10h46
